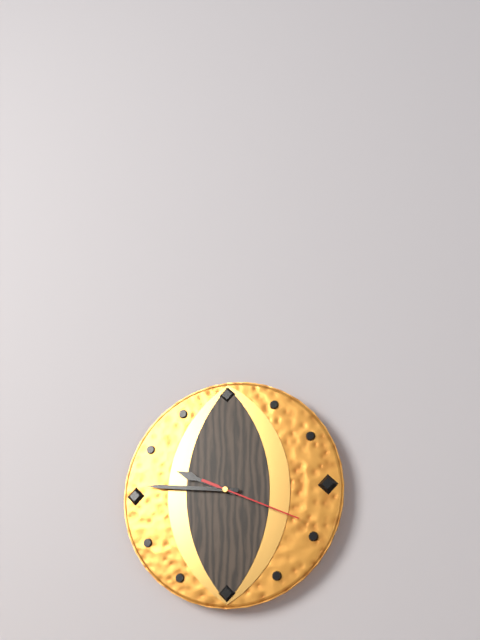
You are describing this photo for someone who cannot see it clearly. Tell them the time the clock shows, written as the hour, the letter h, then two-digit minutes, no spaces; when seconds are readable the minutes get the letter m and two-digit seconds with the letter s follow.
9h46m19s
